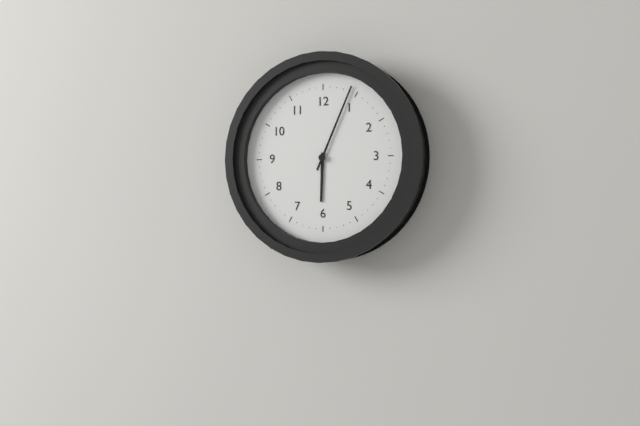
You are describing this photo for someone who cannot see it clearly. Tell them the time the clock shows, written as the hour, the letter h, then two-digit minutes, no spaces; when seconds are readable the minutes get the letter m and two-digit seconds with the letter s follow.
6h04
